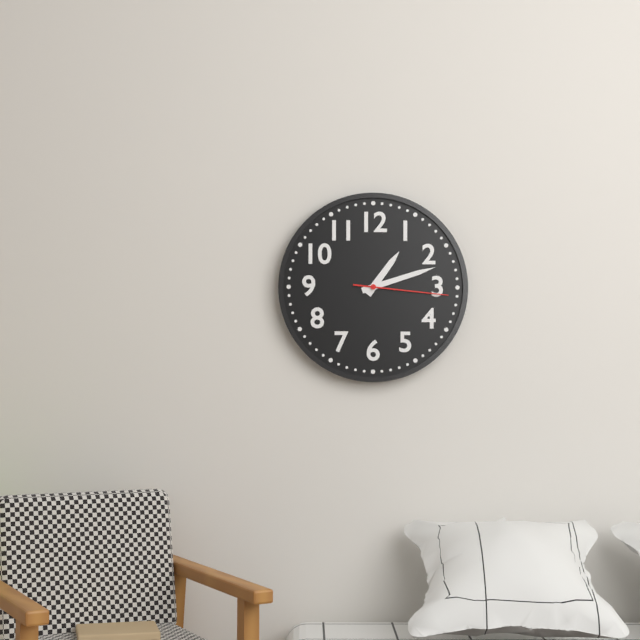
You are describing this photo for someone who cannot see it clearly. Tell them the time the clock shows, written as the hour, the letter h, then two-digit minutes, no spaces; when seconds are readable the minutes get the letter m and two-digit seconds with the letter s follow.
1h12m16s
